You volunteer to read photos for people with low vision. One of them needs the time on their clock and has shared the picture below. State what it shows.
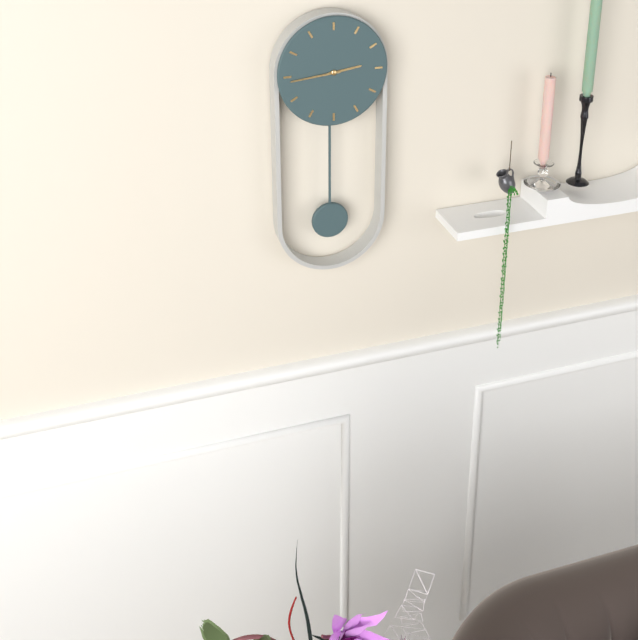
2:44
